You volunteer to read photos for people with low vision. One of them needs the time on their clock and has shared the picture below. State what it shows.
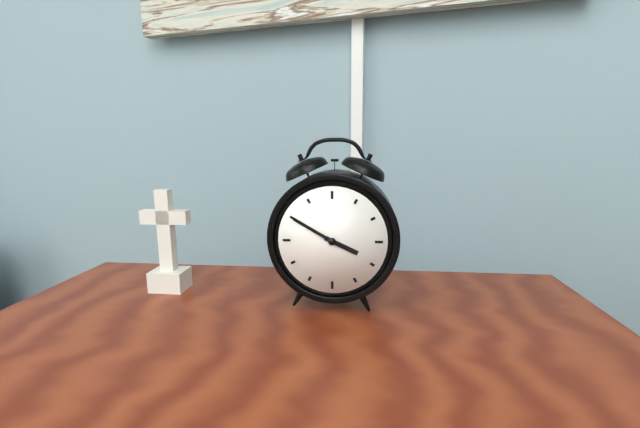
3:50
